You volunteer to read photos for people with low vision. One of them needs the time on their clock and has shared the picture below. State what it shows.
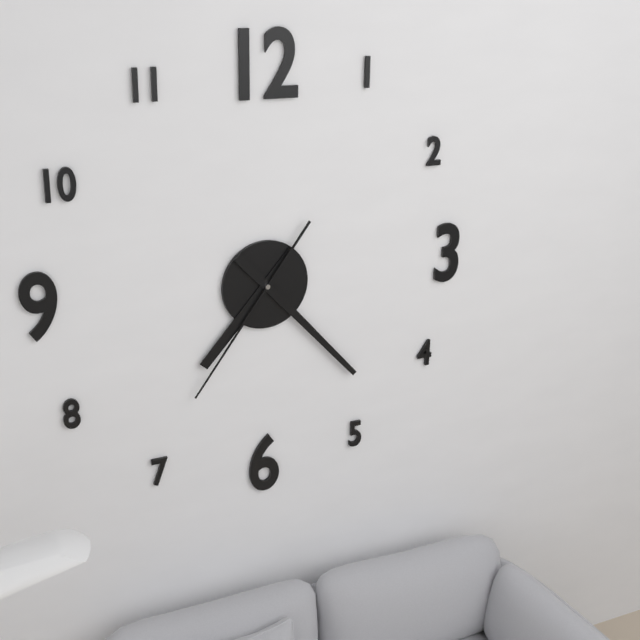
7:23:36
